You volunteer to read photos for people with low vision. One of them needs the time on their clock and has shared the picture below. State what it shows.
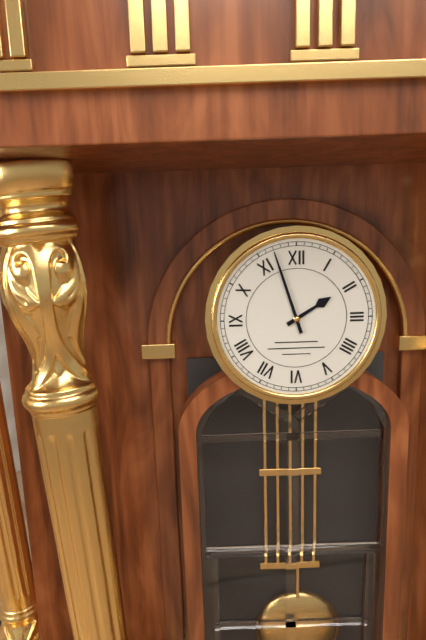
1:57
